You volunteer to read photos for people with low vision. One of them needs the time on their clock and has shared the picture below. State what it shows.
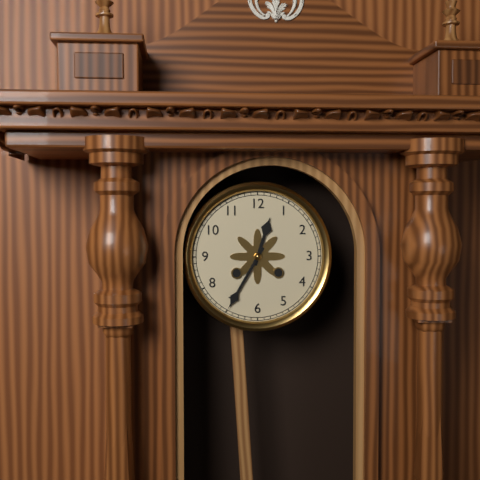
12:35
